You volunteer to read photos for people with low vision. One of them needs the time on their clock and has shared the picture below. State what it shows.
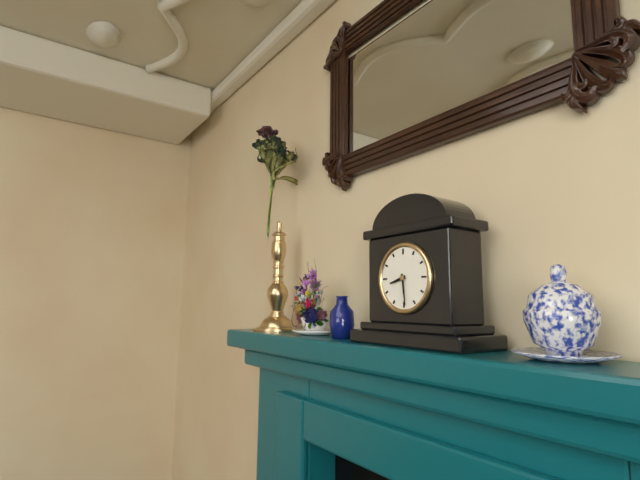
8:29
